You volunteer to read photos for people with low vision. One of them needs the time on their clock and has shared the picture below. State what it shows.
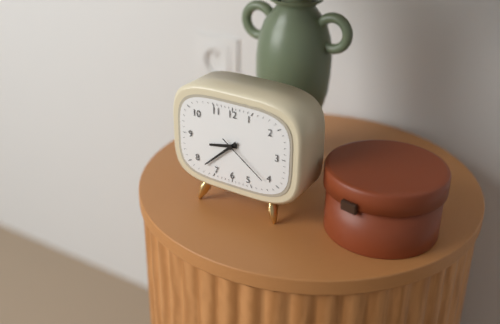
8:38:21
